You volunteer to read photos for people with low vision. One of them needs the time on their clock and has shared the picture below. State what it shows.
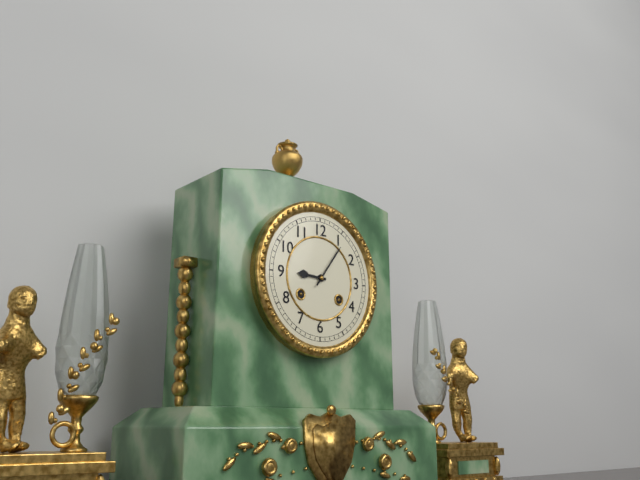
9:06
